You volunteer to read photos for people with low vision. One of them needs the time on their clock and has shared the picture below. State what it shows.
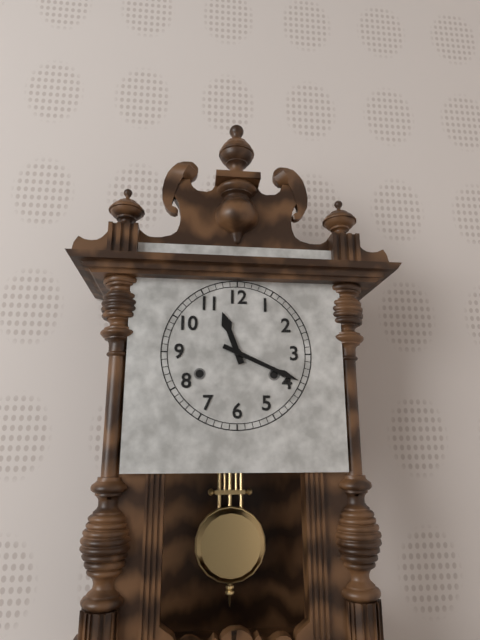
11:19
